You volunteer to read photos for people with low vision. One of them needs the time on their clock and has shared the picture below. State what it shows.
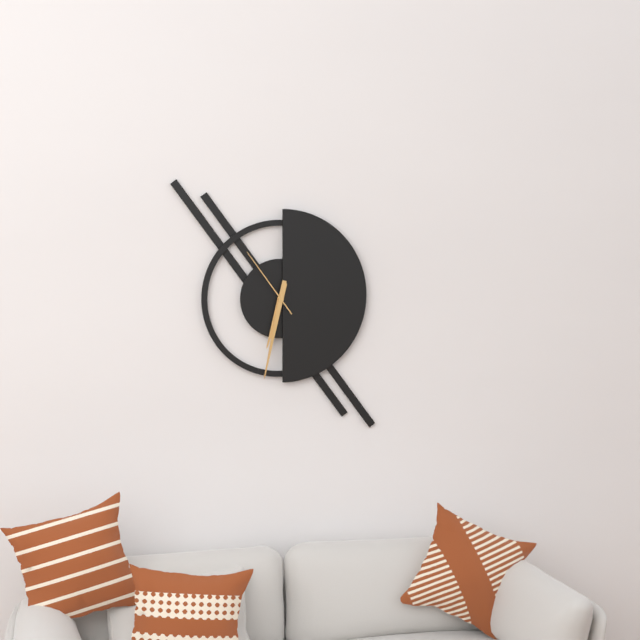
6:32:54
